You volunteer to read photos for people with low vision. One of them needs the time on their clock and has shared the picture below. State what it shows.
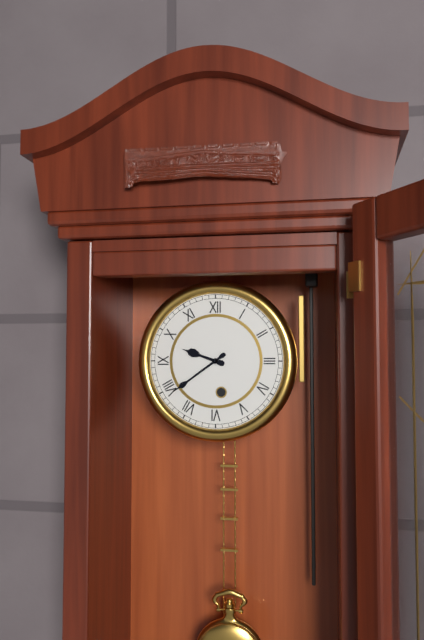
9:39
